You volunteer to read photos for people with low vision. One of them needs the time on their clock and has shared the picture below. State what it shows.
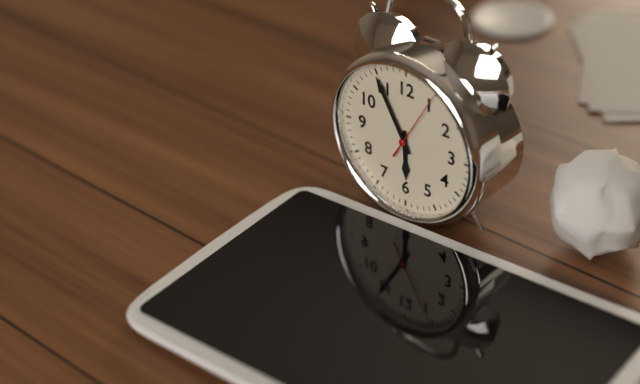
5:55:05
